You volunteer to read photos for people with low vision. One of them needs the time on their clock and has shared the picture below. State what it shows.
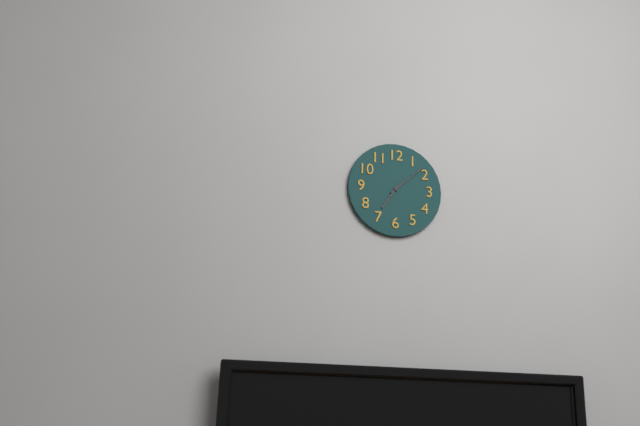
7:08
